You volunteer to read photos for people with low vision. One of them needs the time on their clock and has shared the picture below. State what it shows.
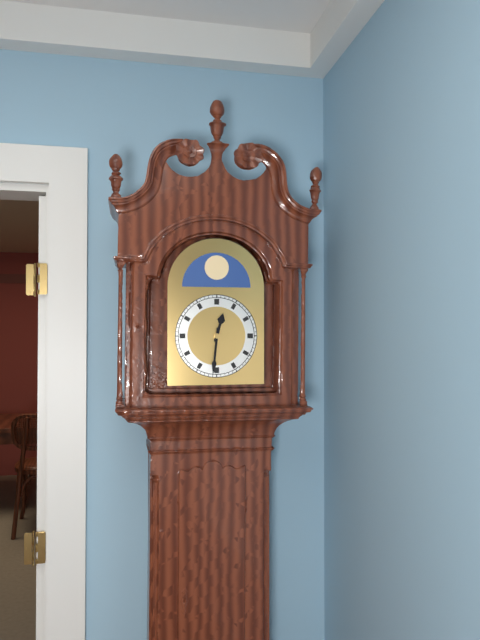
12:31
